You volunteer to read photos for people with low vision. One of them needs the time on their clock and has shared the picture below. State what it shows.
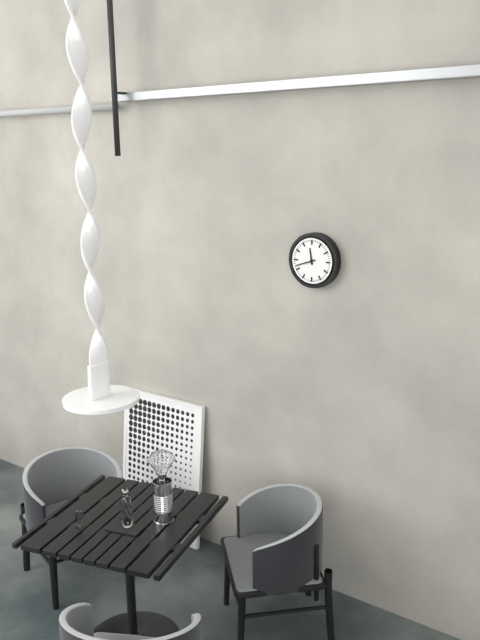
11:42
